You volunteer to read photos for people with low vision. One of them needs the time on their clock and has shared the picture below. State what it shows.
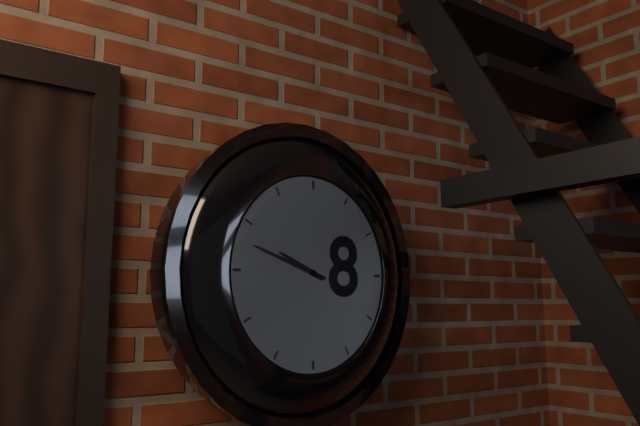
9:48
